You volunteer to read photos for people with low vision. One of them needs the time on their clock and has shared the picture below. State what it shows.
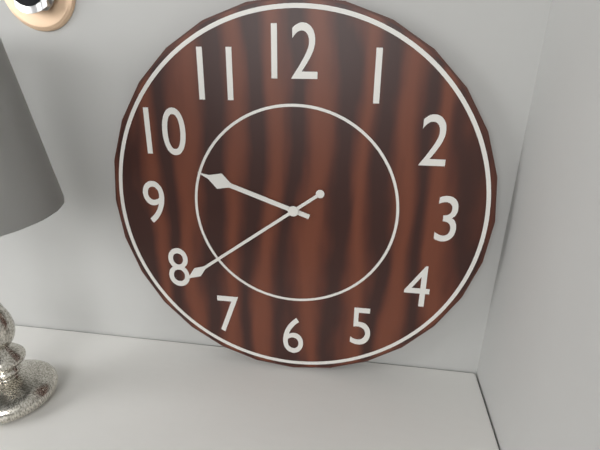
9:39
